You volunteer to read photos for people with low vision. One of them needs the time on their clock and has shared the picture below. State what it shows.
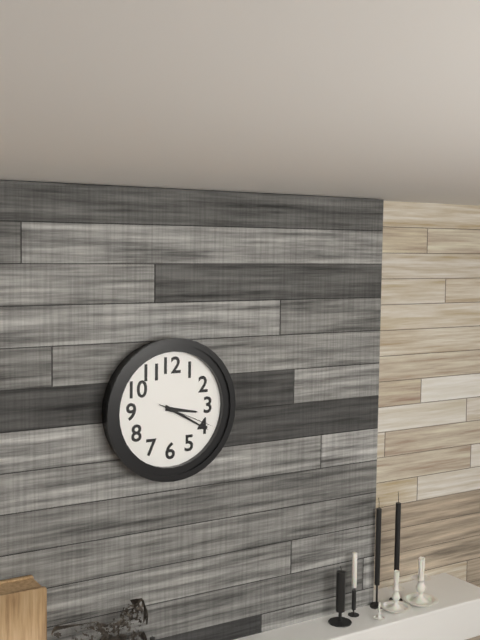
3:20:19
